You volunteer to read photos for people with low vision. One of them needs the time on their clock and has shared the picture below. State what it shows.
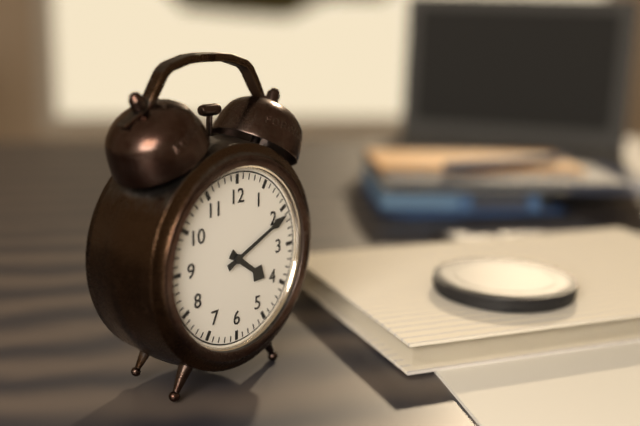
4:11
